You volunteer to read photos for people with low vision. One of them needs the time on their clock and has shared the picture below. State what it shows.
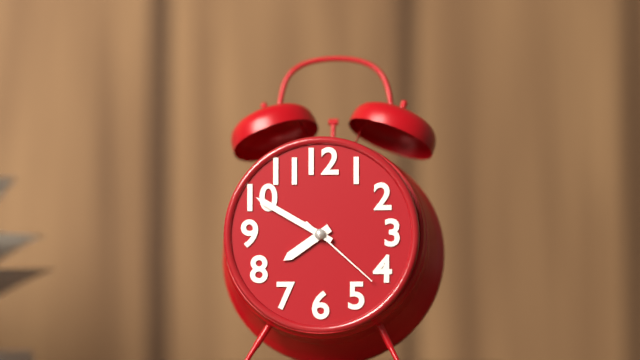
7:50:22
